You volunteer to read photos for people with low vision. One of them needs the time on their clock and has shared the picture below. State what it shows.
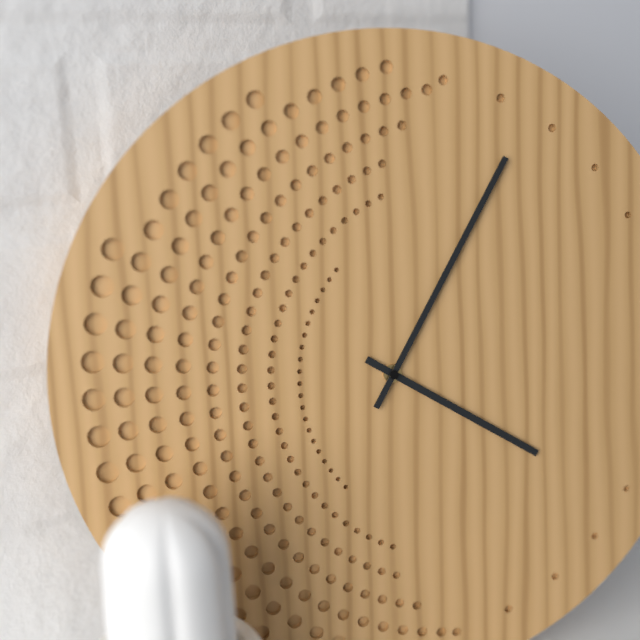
4:05
